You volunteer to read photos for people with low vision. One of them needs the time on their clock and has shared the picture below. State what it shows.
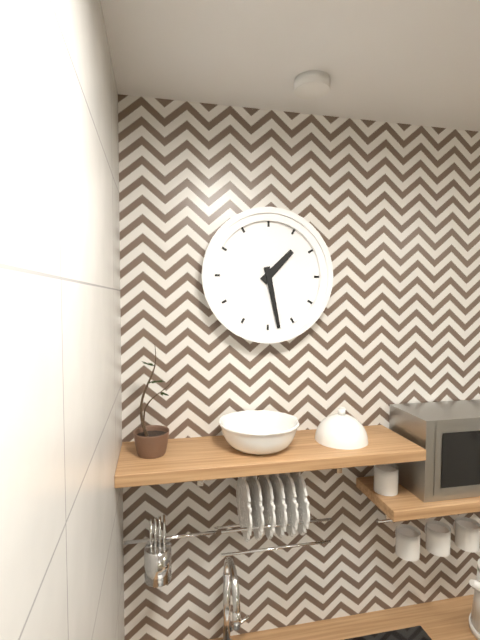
1:28
